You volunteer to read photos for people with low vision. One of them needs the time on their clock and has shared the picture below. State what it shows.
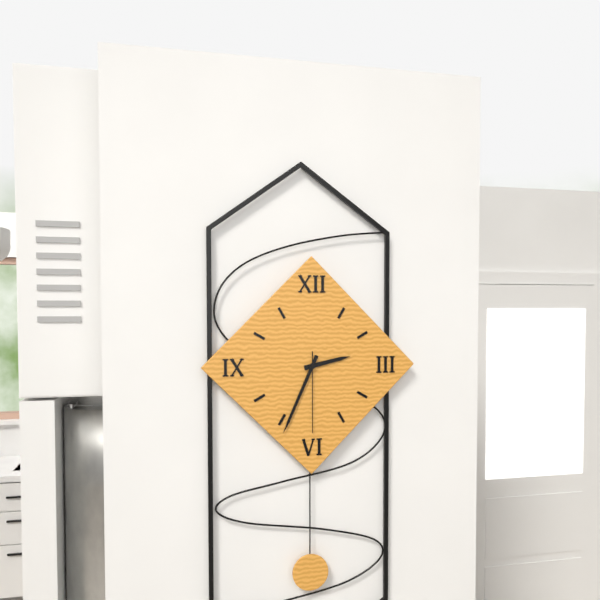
2:34:30
